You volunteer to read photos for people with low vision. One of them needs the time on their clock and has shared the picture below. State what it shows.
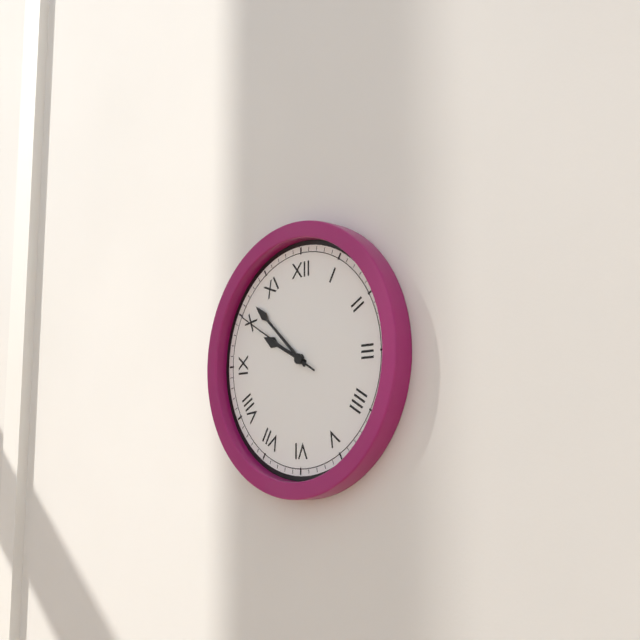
9:52:50
